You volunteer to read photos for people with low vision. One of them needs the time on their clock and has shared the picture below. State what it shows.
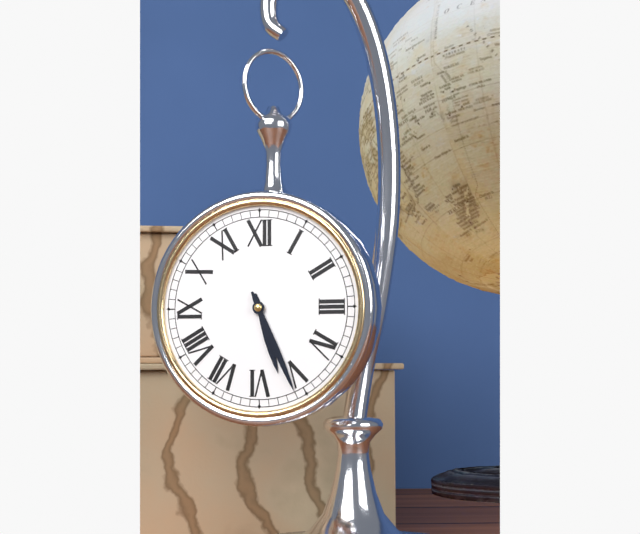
5:26
